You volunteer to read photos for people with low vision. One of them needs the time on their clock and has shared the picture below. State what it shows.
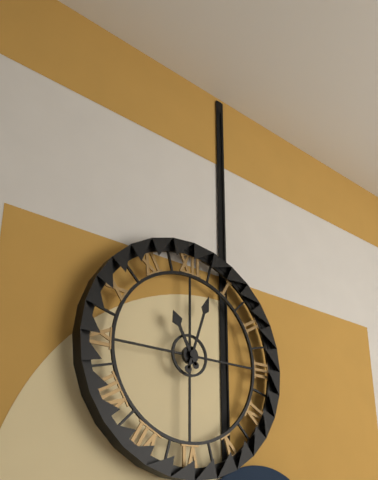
11:03
